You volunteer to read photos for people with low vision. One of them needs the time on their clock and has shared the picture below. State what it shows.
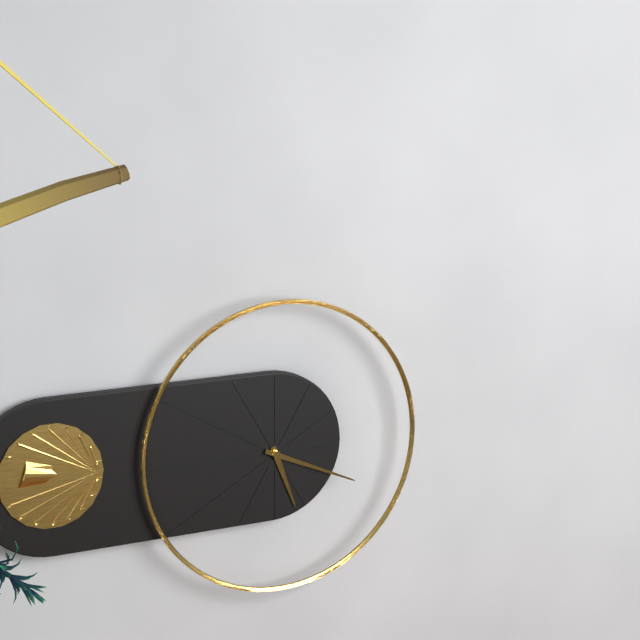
5:19
